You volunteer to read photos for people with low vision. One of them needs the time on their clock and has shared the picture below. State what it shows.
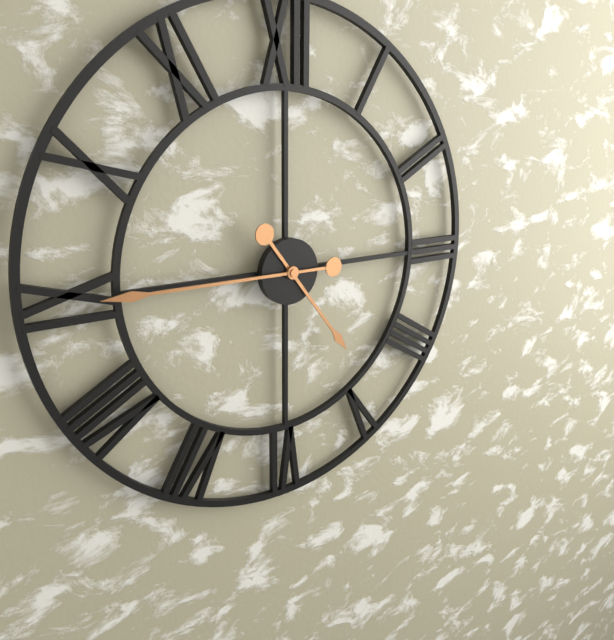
4:45
